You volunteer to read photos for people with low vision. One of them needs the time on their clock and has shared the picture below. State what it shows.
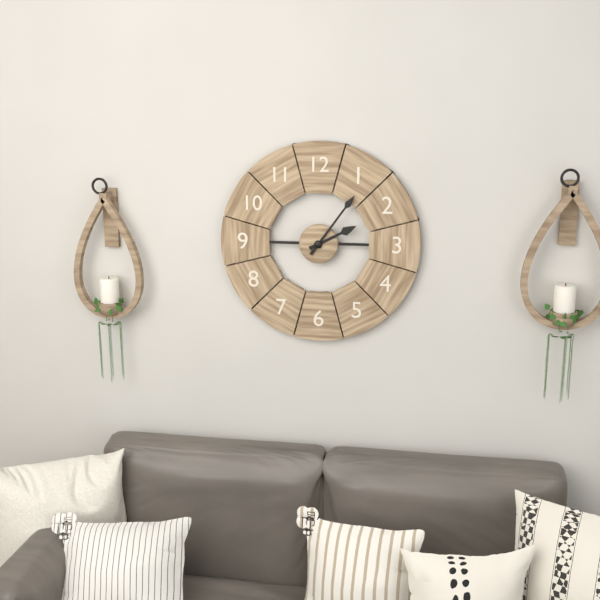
2:06
